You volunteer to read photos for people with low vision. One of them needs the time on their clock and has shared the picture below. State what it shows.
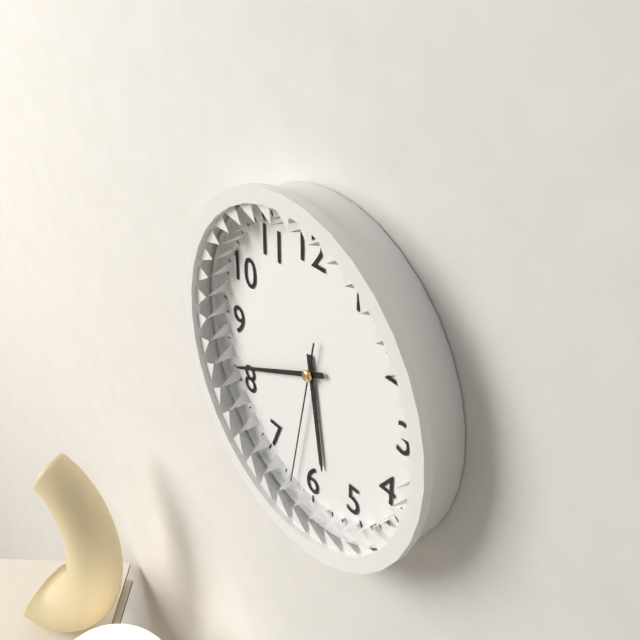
5:41:32
